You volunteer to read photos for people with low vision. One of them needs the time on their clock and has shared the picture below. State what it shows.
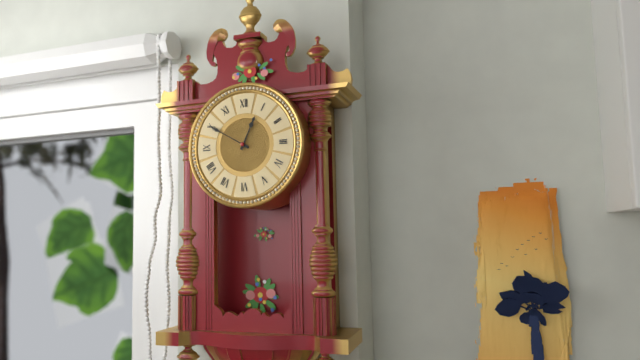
12:50
